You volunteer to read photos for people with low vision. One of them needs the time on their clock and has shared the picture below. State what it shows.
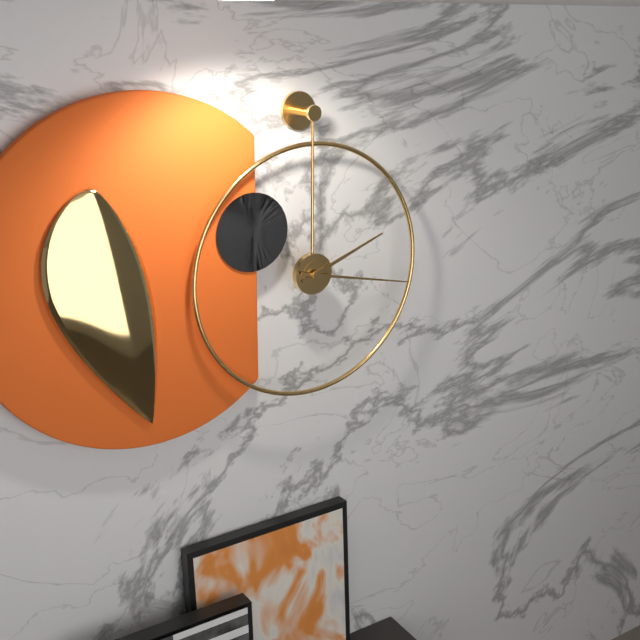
2:17
